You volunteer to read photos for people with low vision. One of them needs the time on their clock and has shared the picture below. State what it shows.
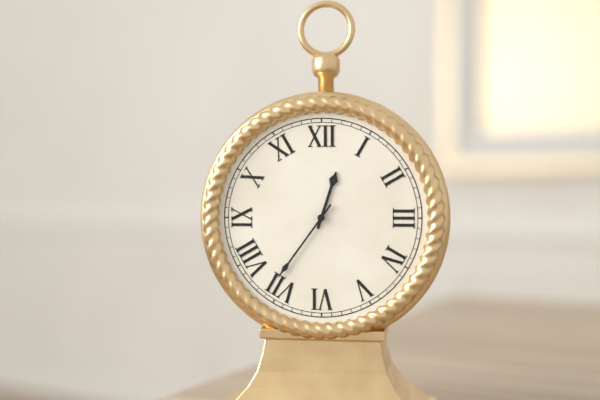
12:36
